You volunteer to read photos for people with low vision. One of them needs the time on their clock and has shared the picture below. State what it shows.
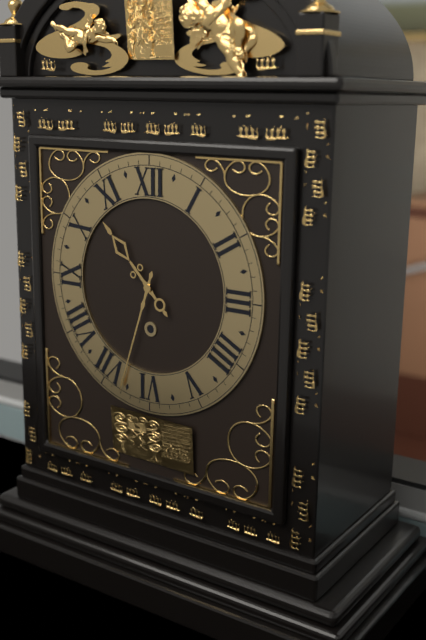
10:33
